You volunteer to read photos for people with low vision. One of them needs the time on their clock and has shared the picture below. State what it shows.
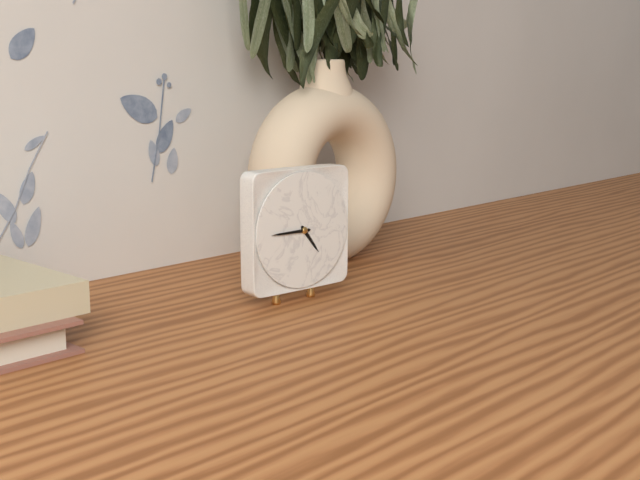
4:45
